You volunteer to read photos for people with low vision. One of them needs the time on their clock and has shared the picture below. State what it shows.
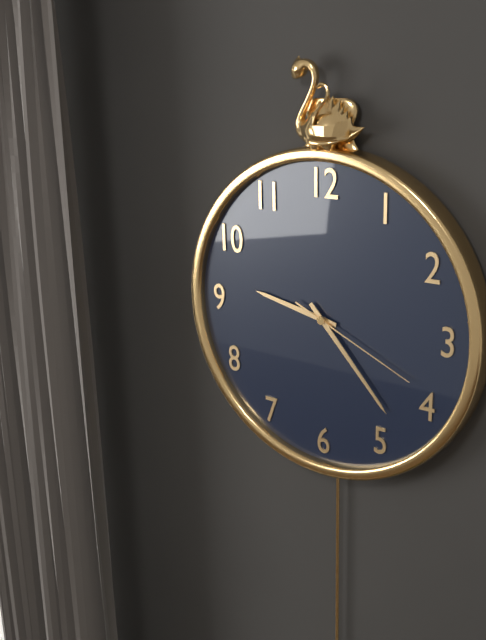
9:23:19
